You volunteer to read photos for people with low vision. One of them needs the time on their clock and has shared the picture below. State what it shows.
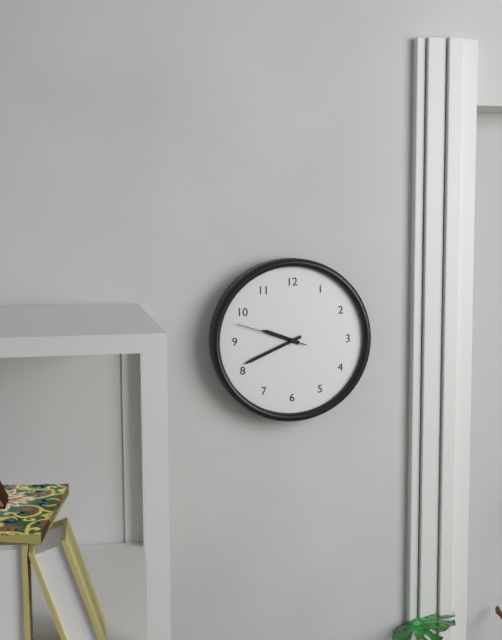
9:41:48
